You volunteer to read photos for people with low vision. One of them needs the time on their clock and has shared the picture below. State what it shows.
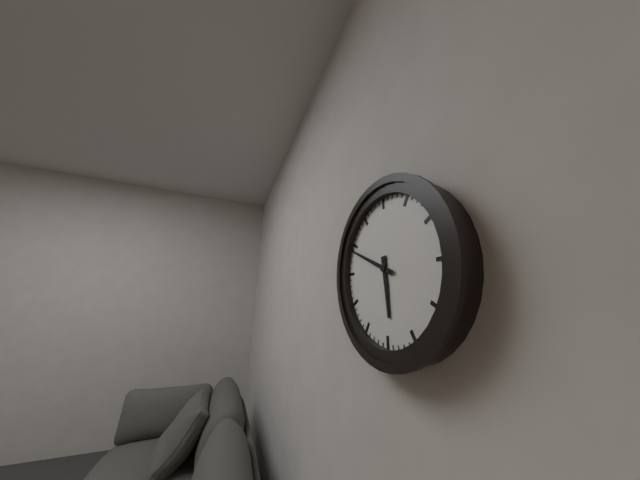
5:49
